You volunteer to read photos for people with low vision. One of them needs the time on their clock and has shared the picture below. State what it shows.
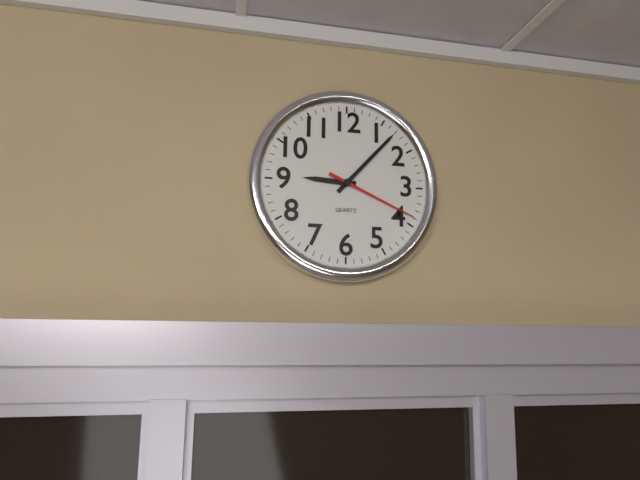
9:07:19
